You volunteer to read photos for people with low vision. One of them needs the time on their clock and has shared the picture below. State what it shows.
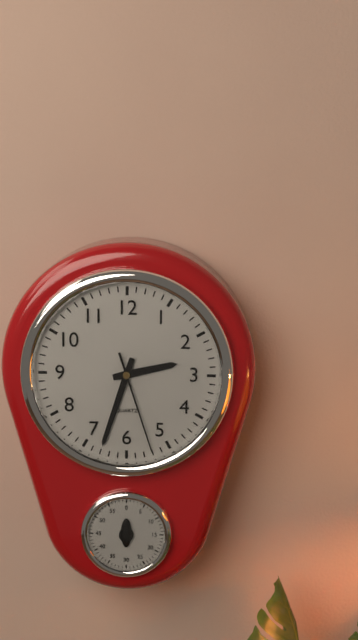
2:33:27
